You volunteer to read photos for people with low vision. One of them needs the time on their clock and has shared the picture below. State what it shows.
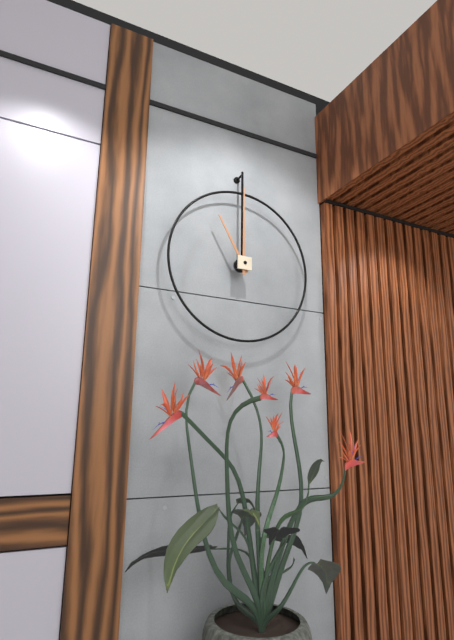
11:00
